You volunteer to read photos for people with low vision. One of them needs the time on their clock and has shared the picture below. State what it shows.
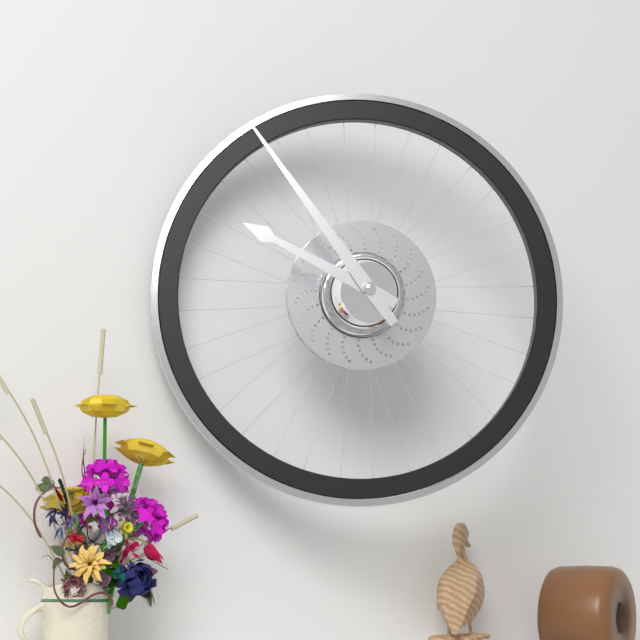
9:54
